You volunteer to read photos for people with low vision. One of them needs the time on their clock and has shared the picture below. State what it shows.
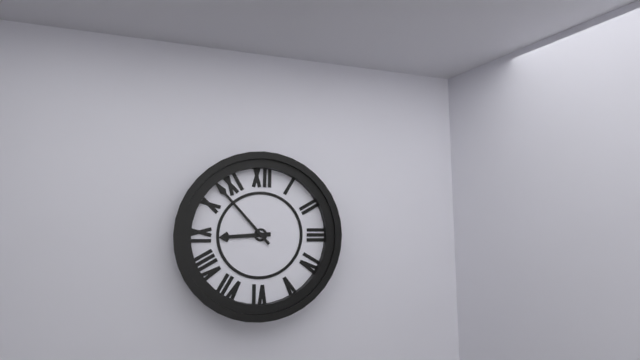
8:53
